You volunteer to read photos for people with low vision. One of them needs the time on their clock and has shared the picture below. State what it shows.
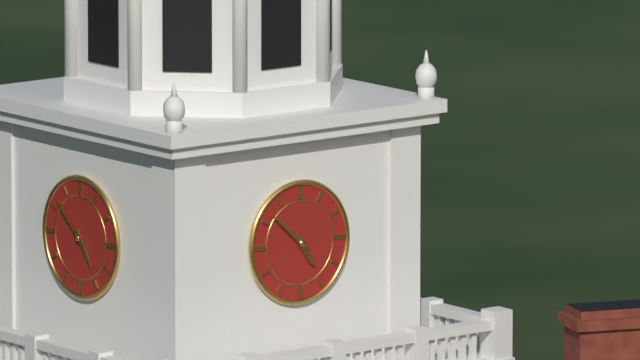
4:52
